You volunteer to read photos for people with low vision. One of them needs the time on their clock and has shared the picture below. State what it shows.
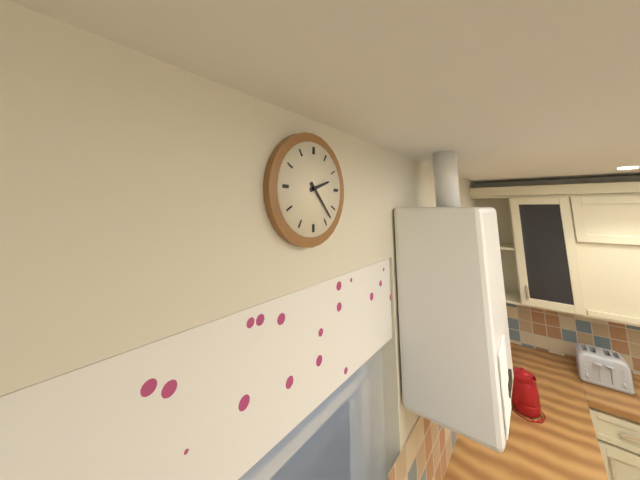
2:23
